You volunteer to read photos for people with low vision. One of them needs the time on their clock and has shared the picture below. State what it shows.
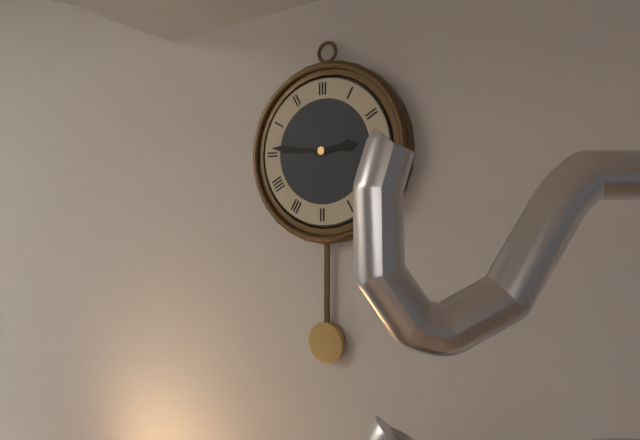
2:46
